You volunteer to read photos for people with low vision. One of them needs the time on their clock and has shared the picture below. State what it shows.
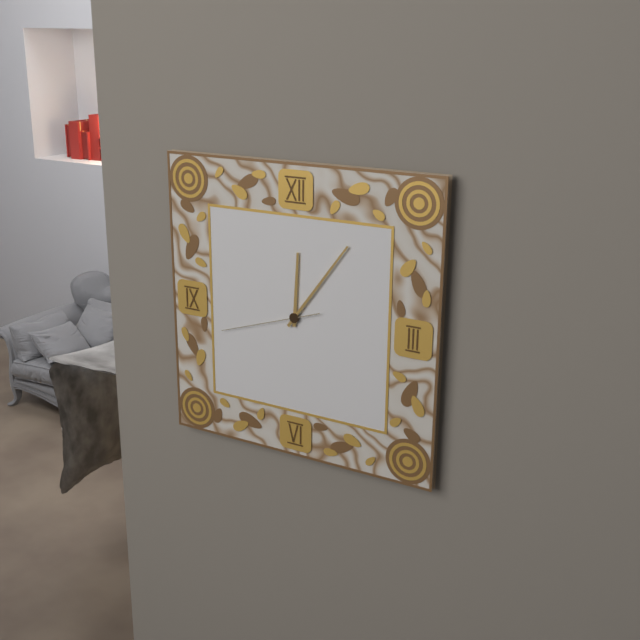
12:06:42
